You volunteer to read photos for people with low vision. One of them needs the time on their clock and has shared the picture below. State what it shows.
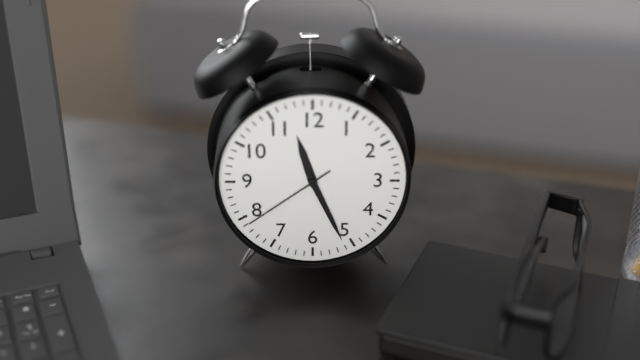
11:26:39
